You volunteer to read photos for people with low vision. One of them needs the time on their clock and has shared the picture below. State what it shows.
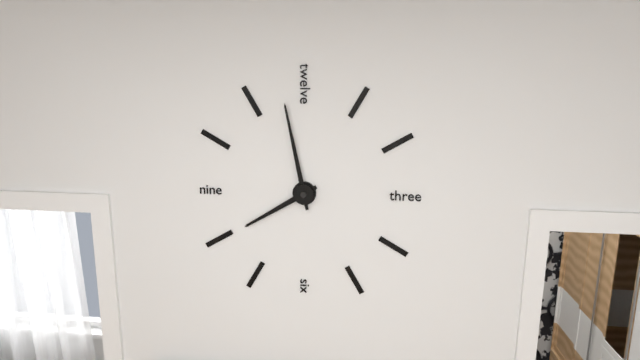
7:58
